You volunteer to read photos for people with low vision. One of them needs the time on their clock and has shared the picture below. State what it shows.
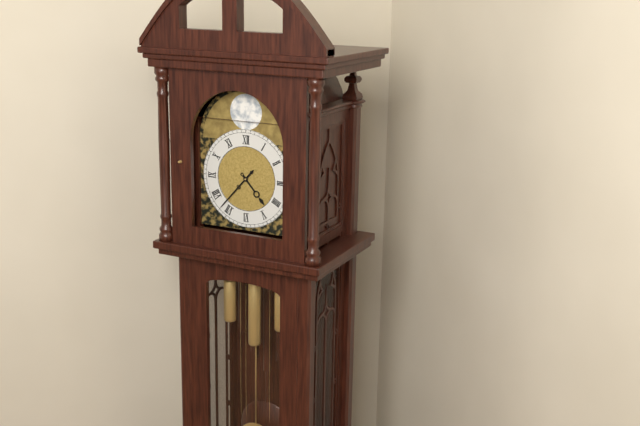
4:37
